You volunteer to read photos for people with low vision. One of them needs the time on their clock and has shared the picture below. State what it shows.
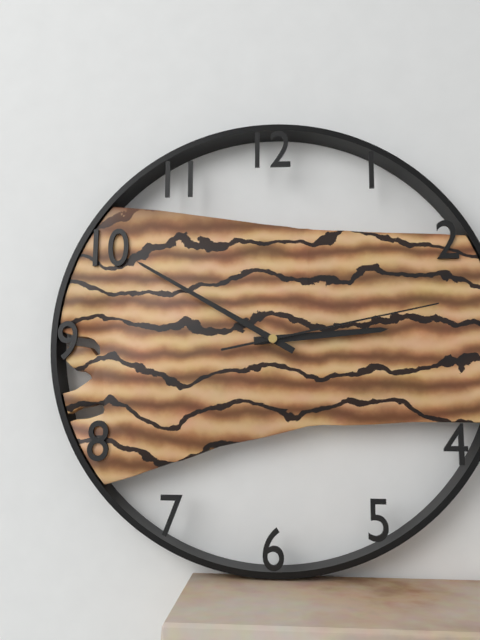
2:50:13
